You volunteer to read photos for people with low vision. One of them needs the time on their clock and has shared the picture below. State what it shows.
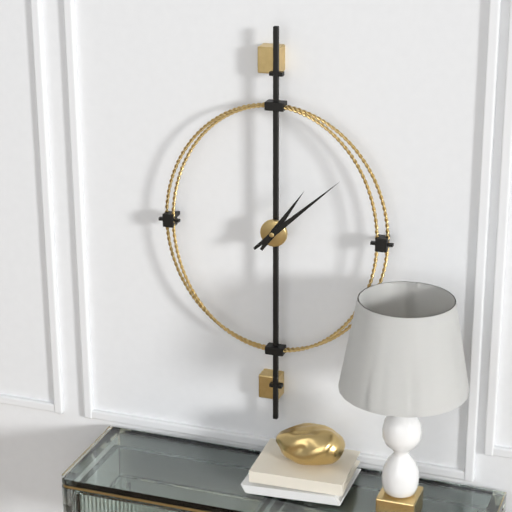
1:08
